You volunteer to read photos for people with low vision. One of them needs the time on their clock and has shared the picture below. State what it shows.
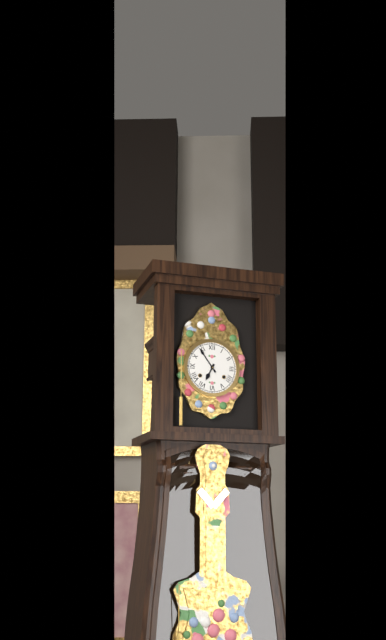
6:54
